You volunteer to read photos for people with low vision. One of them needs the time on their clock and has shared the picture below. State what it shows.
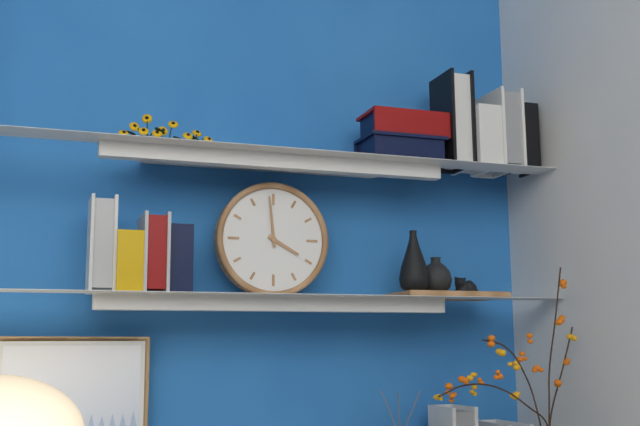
3:59
